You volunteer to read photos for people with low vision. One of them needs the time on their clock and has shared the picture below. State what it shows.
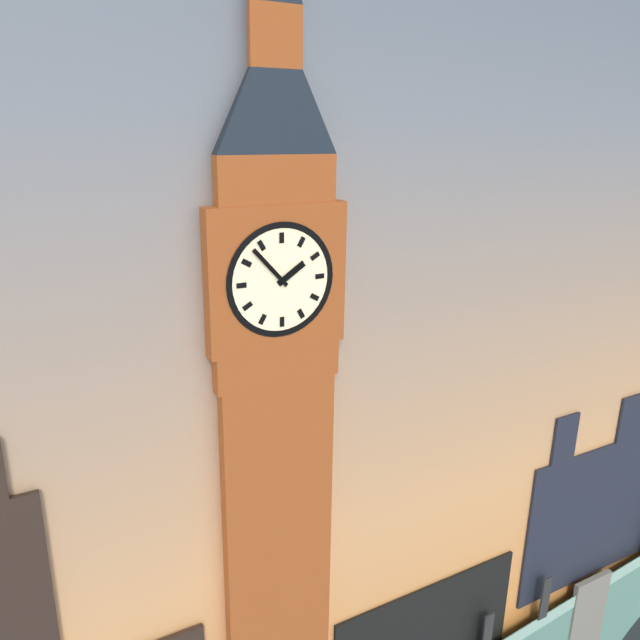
1:53
